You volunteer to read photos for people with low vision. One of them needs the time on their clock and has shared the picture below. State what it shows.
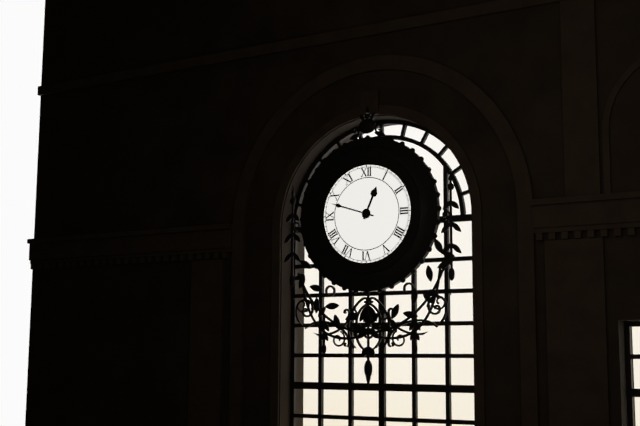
12:48
